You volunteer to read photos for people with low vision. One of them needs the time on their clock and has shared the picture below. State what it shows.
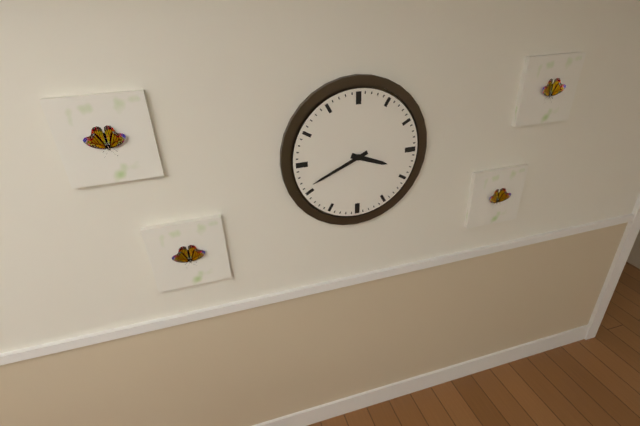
3:41
